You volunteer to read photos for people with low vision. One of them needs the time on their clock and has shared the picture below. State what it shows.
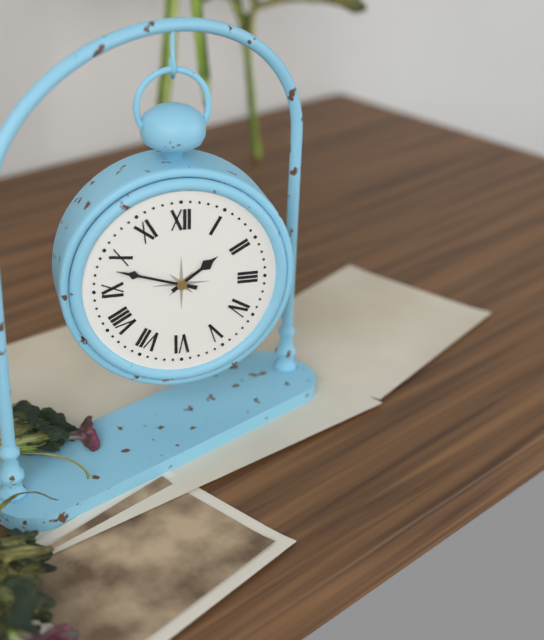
1:48
